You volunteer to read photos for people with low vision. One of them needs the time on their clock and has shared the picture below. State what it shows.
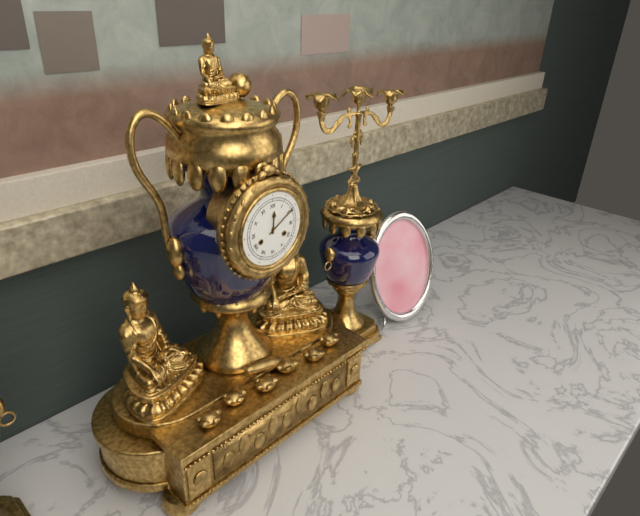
12:10
